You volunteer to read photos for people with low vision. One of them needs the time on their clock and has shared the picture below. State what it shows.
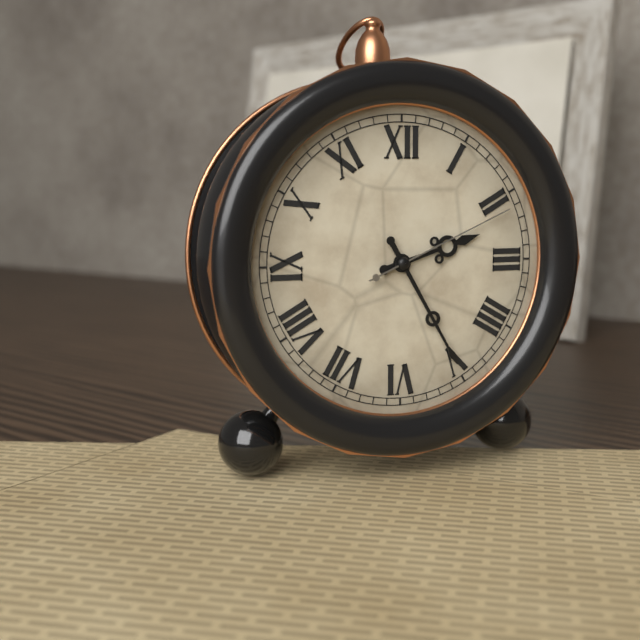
2:25:11
